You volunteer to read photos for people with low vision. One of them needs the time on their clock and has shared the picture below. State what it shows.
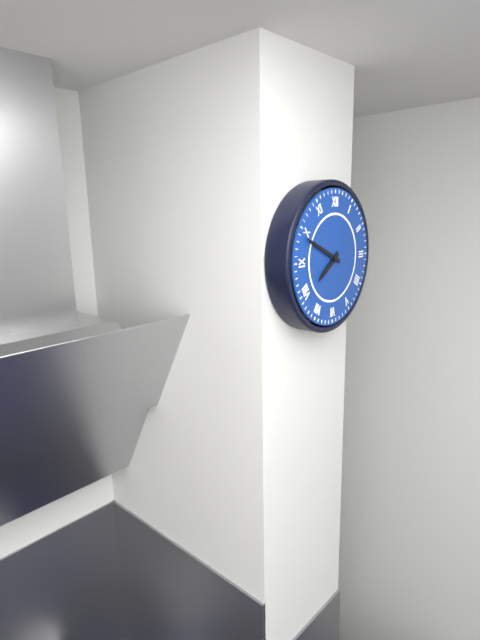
7:49
